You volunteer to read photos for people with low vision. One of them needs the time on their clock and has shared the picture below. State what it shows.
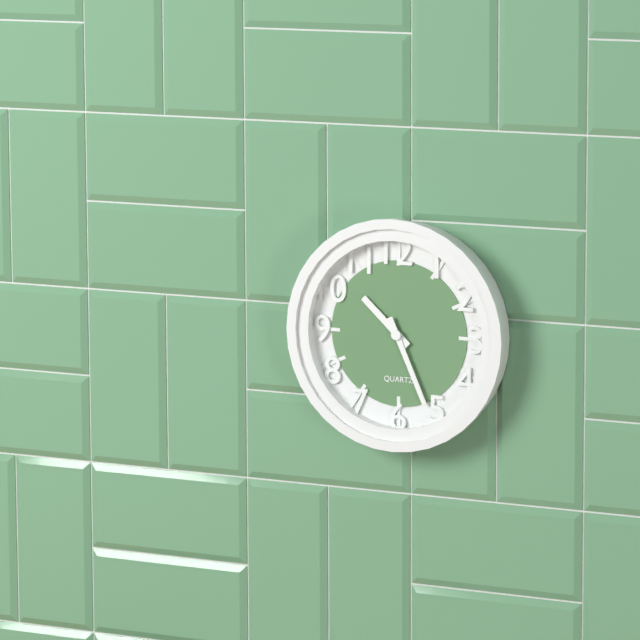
10:26
